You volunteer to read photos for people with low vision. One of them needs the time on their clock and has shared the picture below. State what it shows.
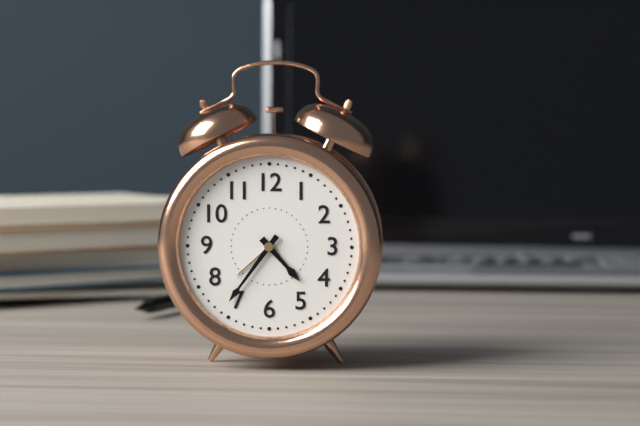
4:36
